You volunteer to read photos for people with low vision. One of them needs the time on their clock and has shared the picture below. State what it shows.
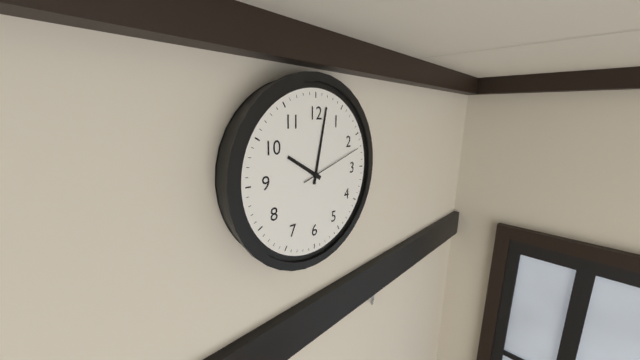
10:02:12
